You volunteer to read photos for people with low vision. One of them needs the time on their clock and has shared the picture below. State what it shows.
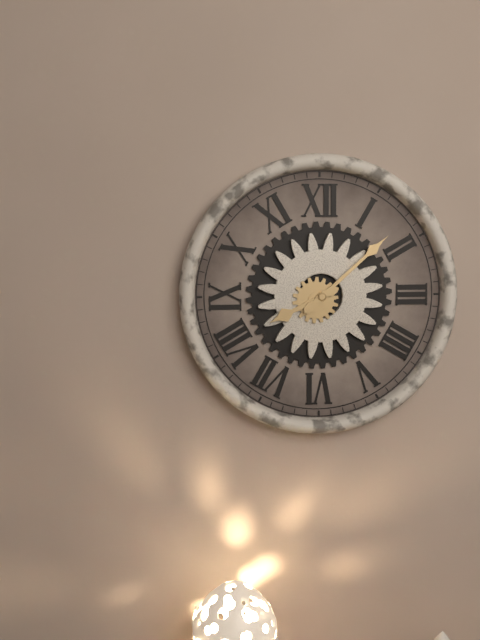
8:08
